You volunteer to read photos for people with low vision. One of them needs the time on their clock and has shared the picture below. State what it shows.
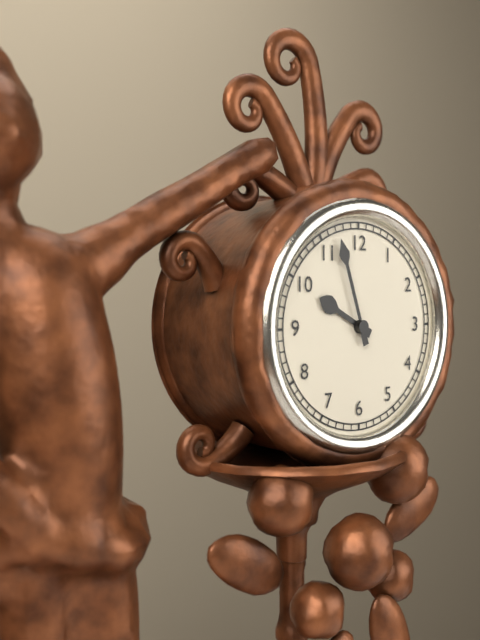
9:57
